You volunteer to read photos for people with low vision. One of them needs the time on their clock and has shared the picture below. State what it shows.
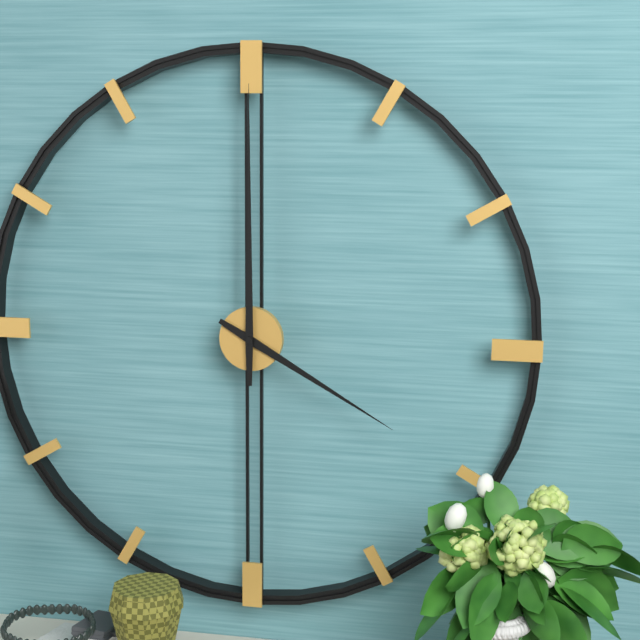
4:00
